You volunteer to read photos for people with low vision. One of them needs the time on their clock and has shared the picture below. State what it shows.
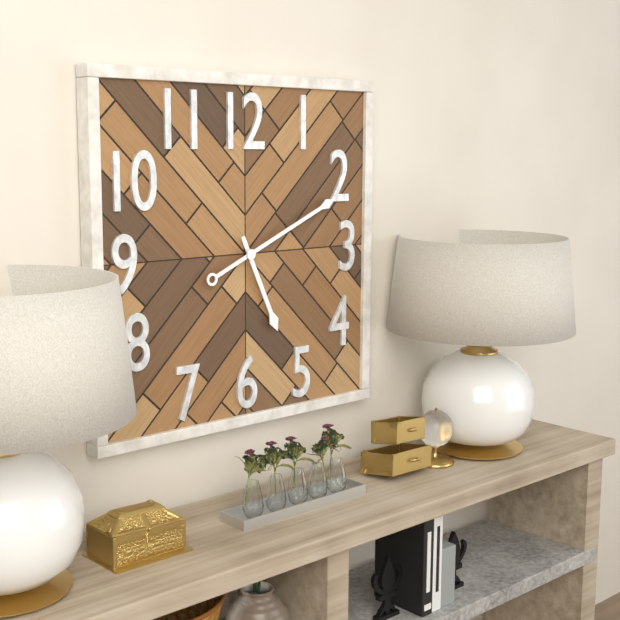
5:11
